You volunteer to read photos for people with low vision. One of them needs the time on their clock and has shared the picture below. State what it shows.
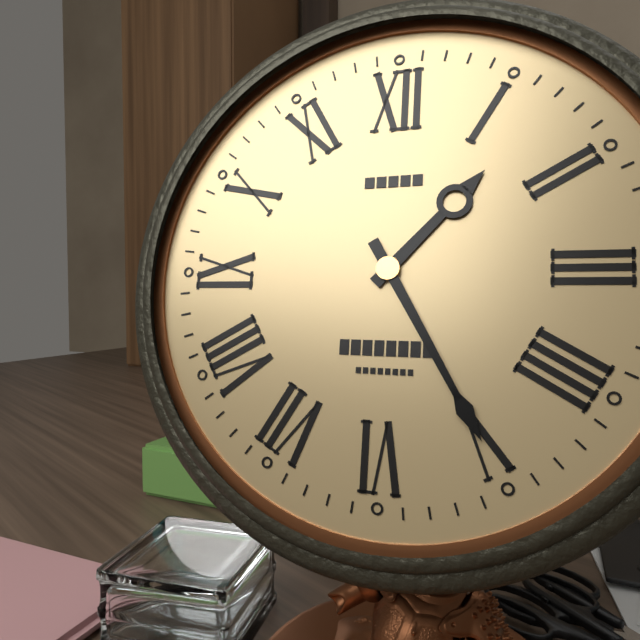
1:25
